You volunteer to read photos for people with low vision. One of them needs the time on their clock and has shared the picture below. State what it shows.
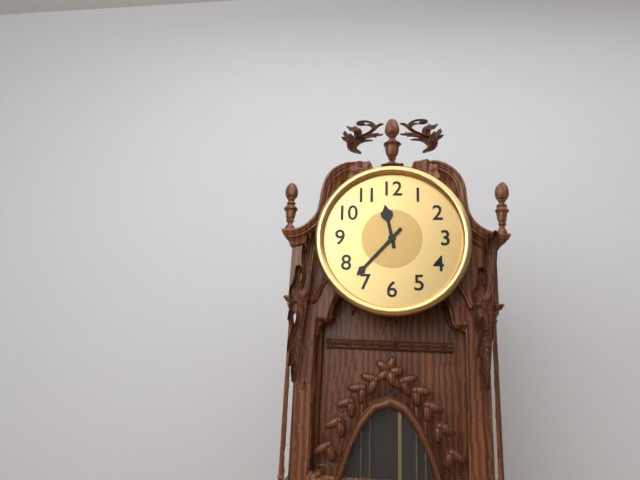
11:37
